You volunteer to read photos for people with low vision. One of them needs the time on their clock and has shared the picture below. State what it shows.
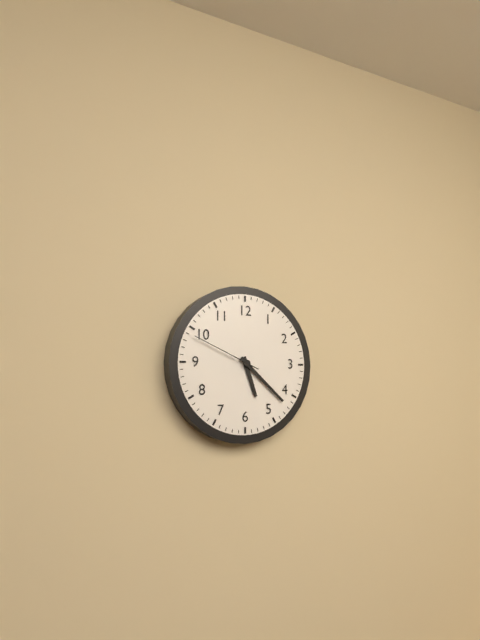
5:22:49
